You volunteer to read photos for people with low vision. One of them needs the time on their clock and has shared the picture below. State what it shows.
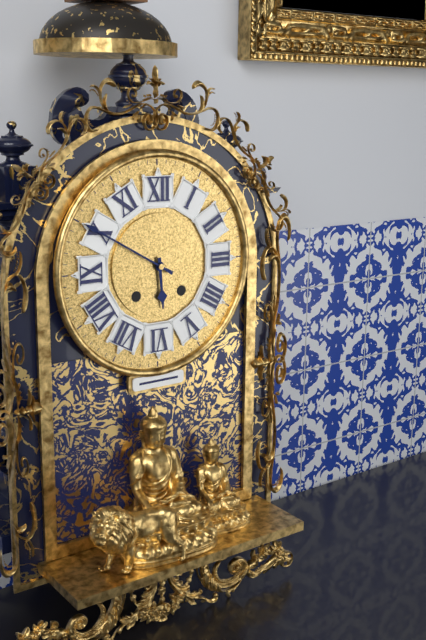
5:50
